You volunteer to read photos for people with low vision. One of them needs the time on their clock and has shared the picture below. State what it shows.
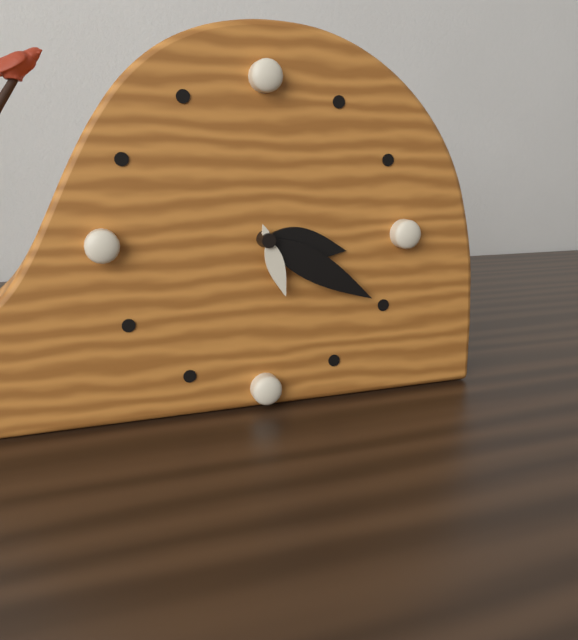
3:20:27
